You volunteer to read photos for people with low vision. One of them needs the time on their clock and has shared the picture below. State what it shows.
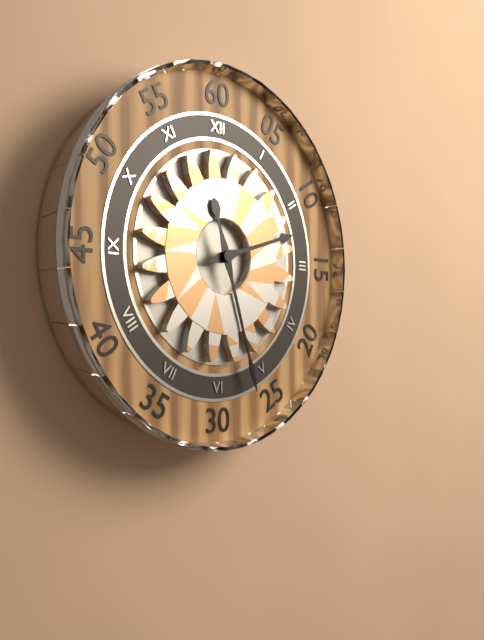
2:27
